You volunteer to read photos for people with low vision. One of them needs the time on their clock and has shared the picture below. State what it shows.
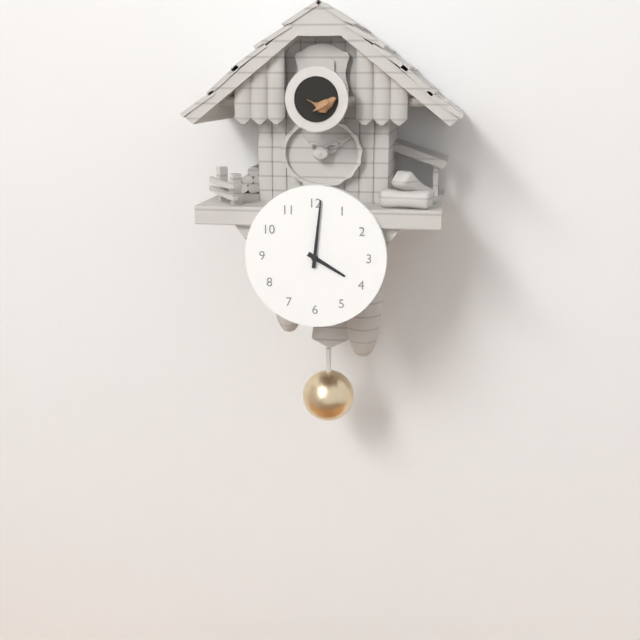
4:01
